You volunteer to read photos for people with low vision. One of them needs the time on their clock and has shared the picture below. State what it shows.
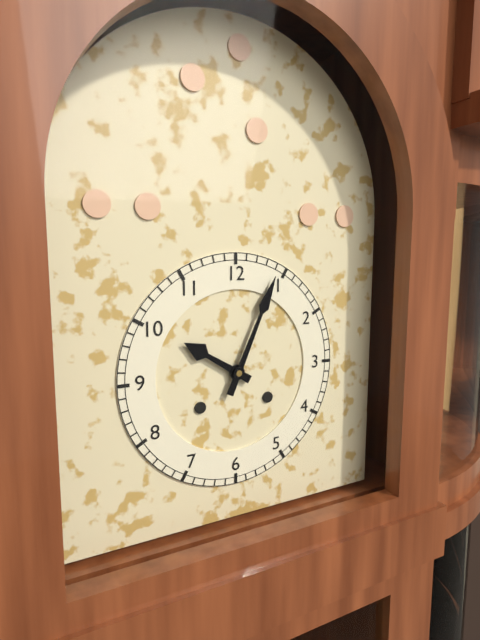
10:04
